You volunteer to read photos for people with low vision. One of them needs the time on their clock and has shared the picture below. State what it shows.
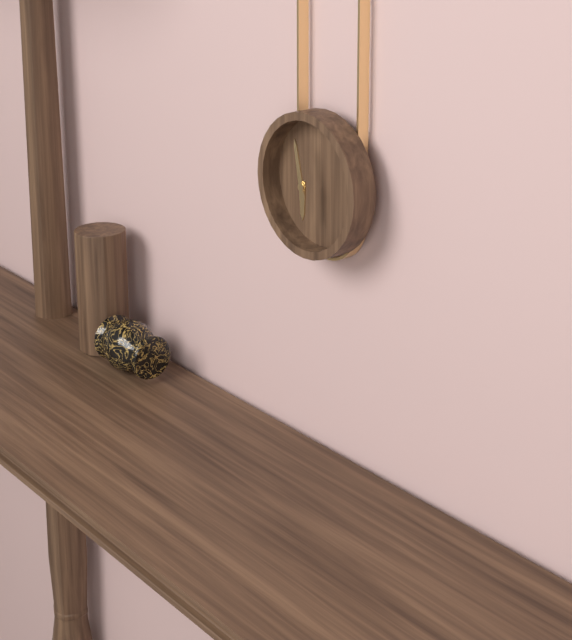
5:58
